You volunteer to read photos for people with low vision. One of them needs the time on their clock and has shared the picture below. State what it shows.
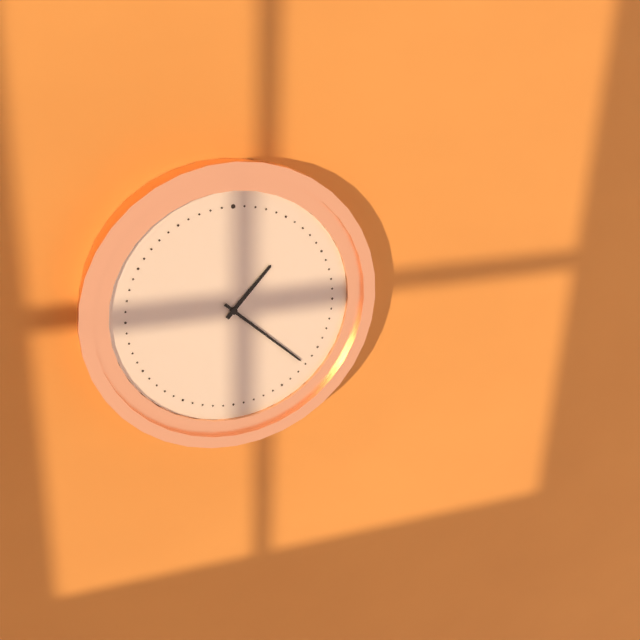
1:22
